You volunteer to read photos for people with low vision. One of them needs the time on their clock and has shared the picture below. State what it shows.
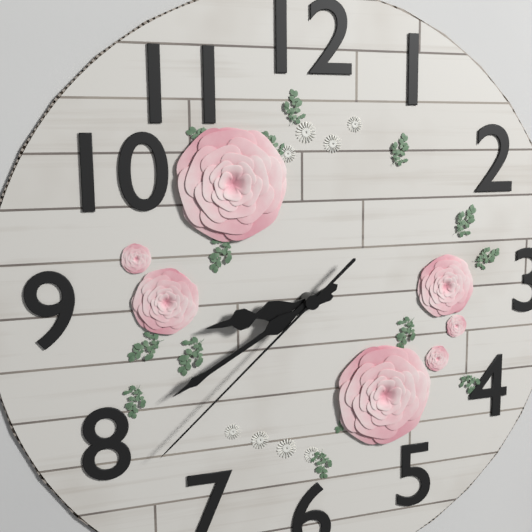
8:40:38
